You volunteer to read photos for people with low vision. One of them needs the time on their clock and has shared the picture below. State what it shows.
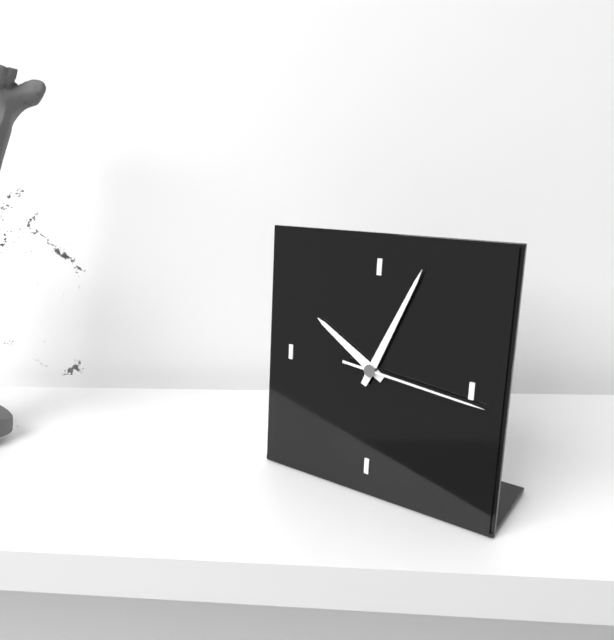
10:04:16
